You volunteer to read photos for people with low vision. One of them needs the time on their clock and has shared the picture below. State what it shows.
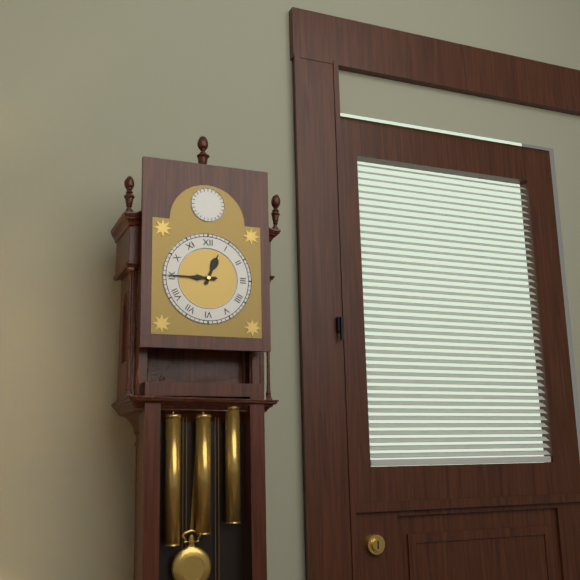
12:45
